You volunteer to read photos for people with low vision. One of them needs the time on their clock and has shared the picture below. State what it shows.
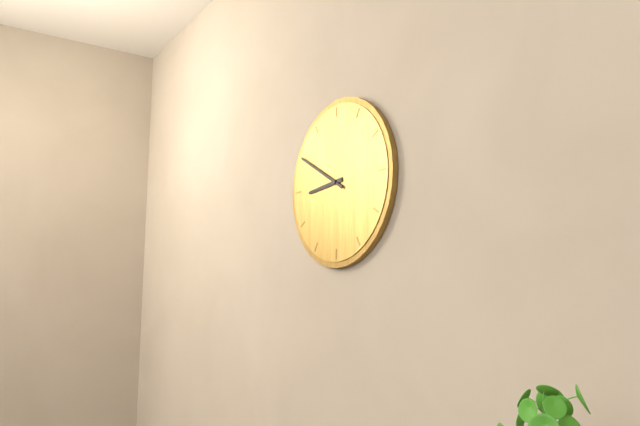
8:50
